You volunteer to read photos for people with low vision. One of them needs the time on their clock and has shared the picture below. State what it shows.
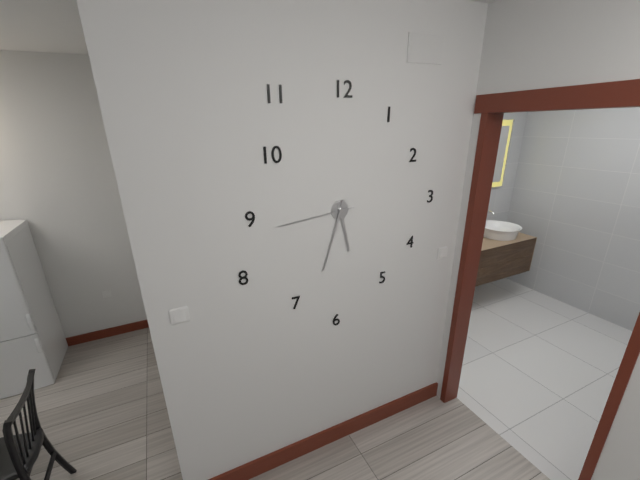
5:33:44
